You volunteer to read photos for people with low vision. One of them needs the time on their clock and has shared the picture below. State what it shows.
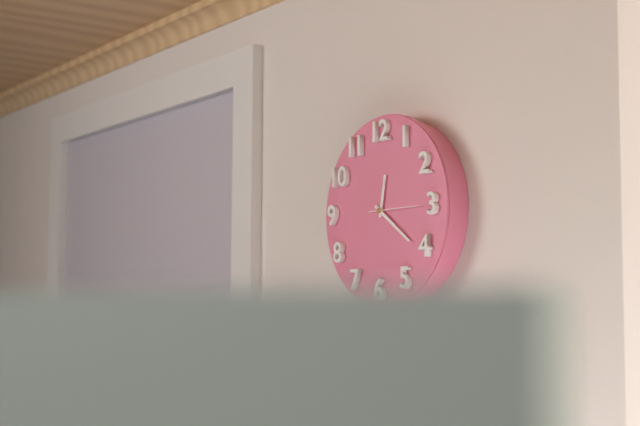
12:21
